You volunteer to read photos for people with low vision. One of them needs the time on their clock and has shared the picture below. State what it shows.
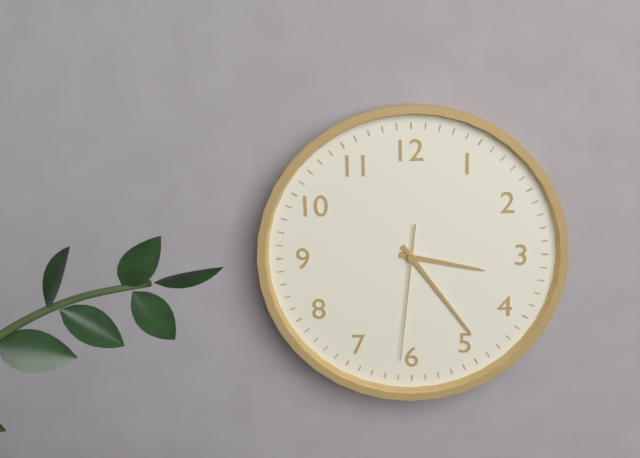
3:24:31
